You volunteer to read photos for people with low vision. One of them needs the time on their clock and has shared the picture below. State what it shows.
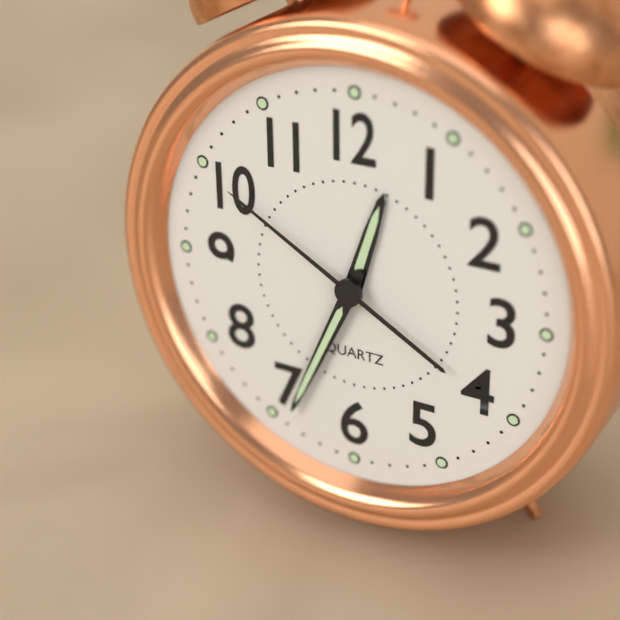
12:34:50
